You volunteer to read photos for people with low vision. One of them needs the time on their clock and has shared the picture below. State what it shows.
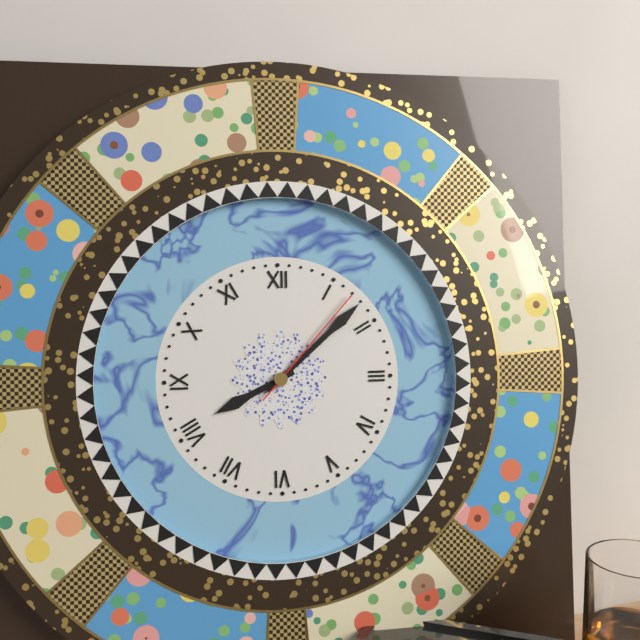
8:08:07
